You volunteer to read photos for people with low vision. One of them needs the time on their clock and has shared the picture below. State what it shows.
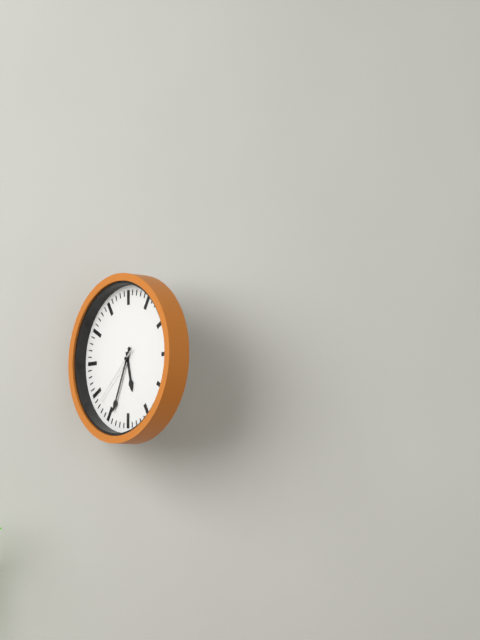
5:34:38
